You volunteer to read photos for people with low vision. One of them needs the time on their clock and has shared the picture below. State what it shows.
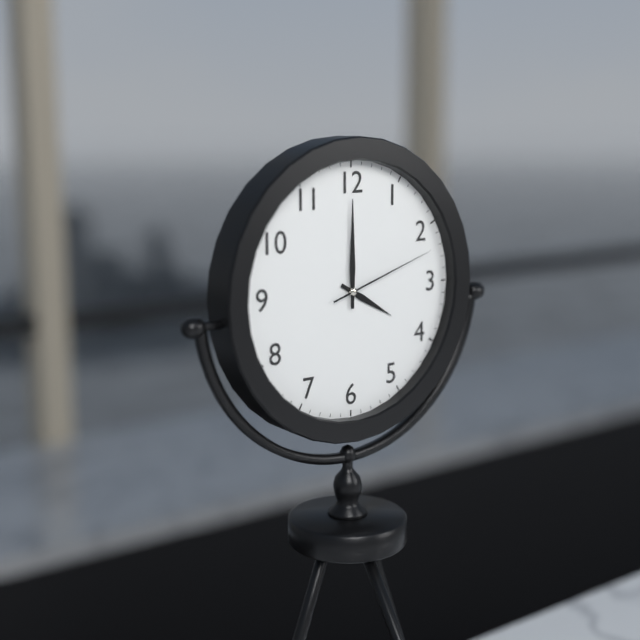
4:00:12
